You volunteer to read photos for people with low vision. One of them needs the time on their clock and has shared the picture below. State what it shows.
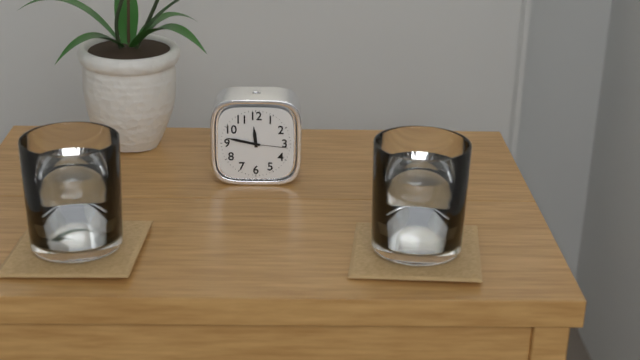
11:47
